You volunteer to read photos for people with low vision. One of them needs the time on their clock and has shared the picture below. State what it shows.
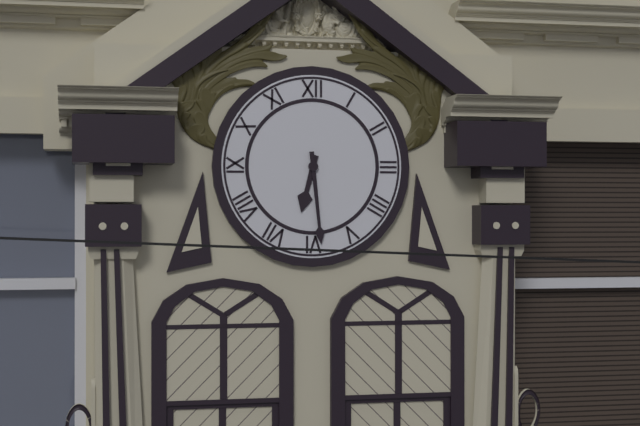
6:29
